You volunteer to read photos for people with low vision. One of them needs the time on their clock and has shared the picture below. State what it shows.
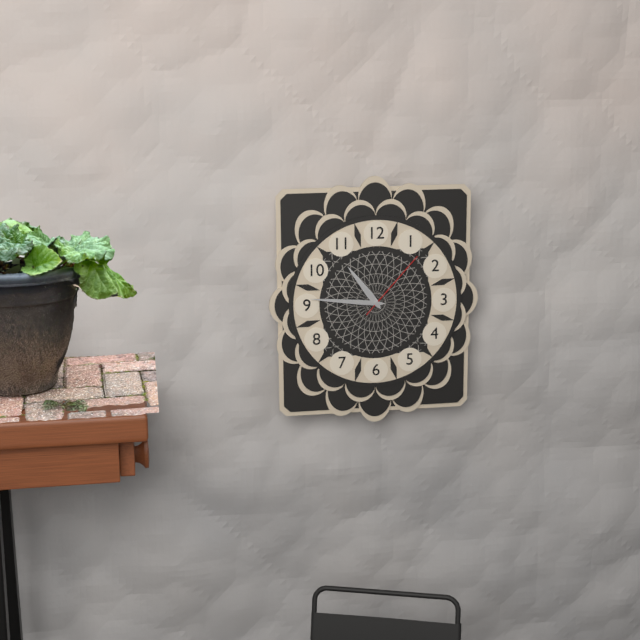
10:46:07
